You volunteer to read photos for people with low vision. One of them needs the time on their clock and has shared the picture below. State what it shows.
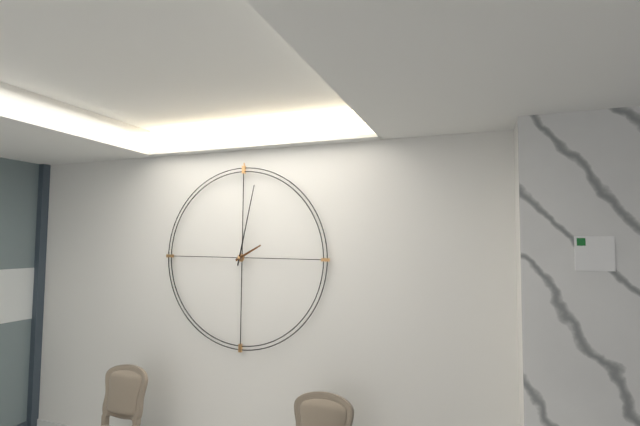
2:02
